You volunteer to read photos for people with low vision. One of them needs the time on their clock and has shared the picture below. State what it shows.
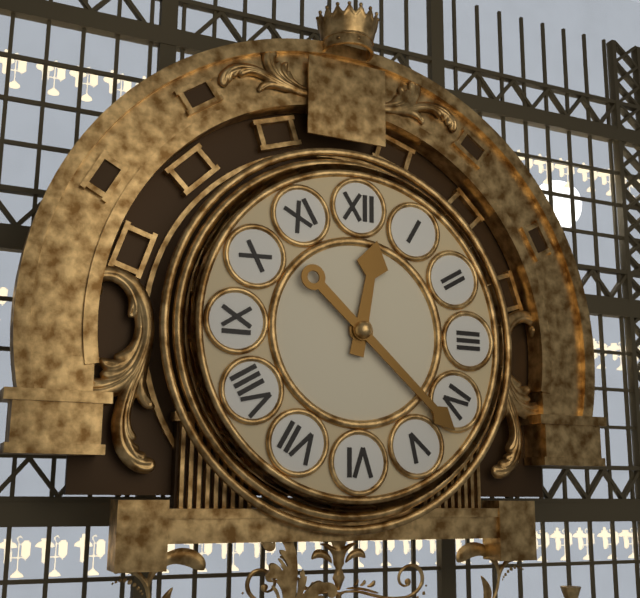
12:22
